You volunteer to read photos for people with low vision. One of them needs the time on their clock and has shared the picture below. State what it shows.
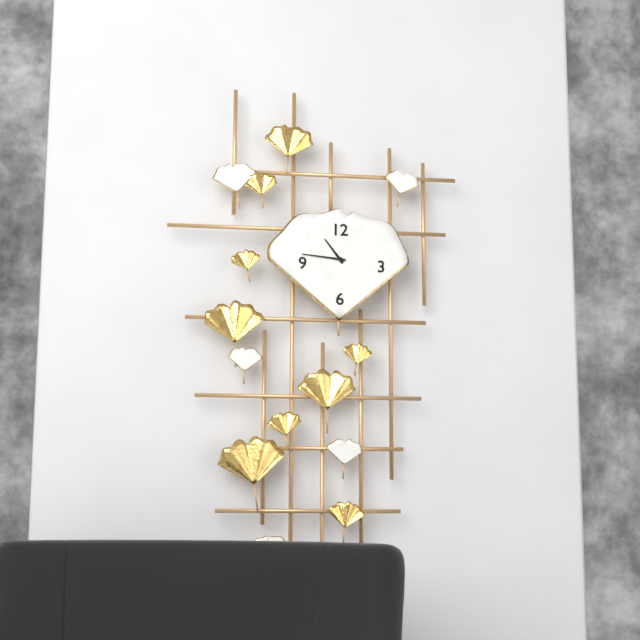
10:46
